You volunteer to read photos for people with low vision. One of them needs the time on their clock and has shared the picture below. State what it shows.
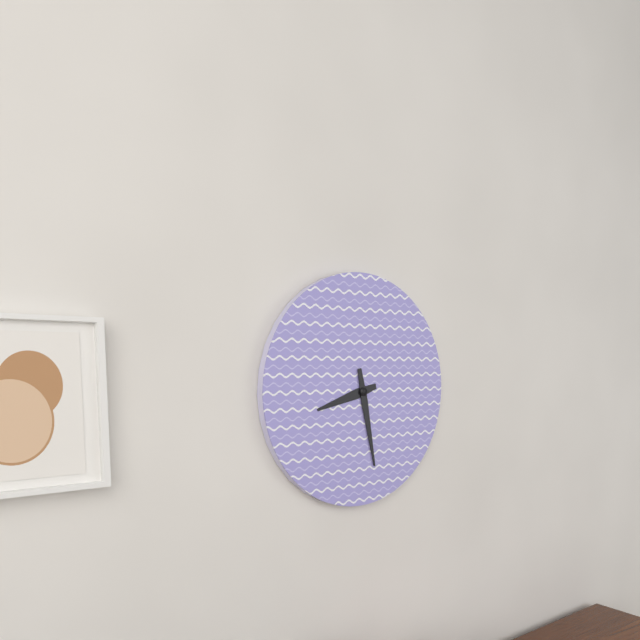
8:28
